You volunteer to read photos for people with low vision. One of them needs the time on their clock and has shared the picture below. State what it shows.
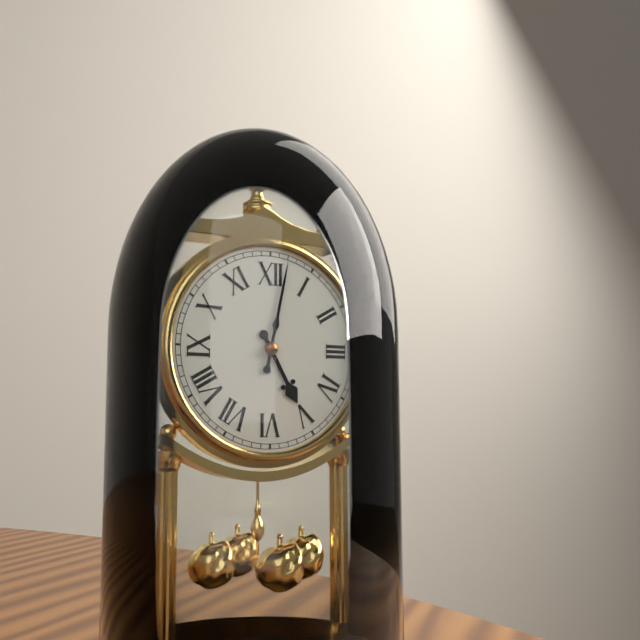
5:02
